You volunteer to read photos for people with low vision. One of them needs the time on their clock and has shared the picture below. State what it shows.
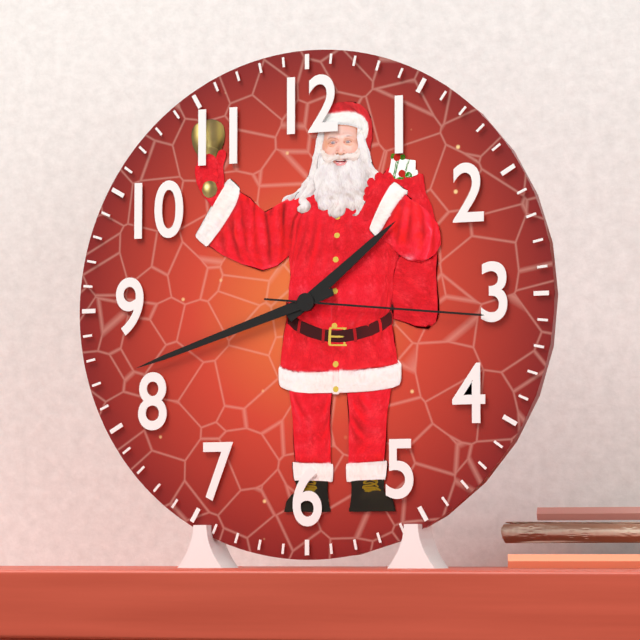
1:42:16
